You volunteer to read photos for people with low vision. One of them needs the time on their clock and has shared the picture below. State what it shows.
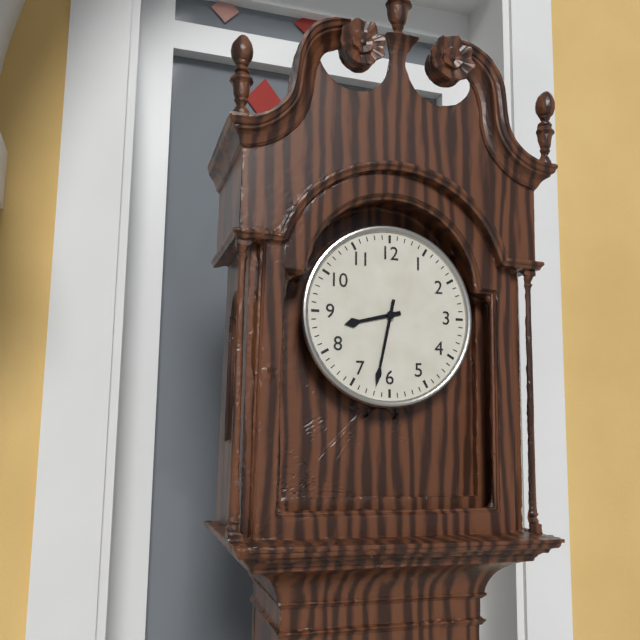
8:32
